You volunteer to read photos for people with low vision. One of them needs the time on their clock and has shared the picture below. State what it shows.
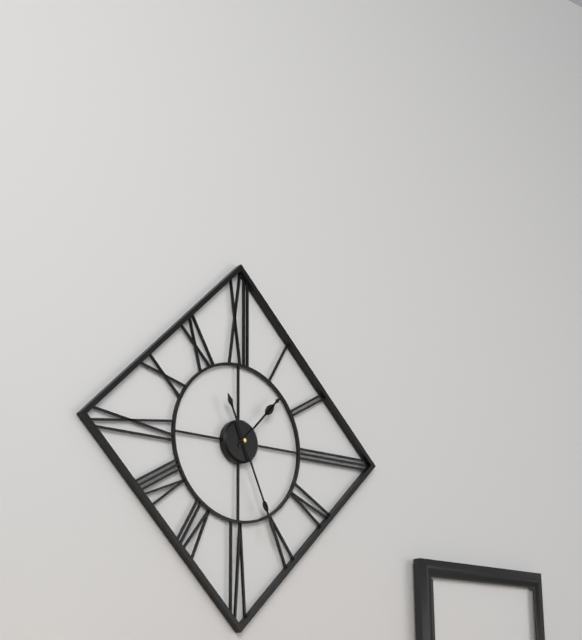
1:26
